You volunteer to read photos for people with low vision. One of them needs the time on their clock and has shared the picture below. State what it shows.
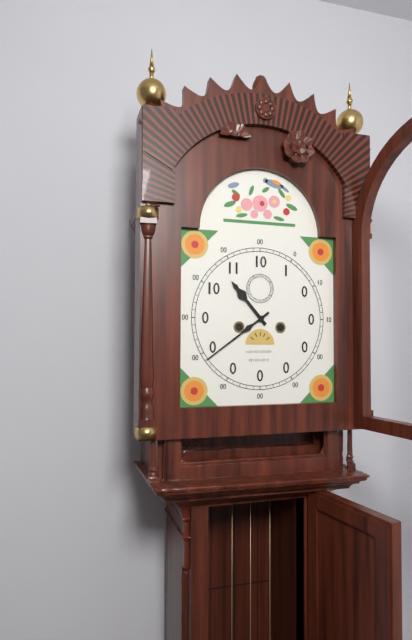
10:39
